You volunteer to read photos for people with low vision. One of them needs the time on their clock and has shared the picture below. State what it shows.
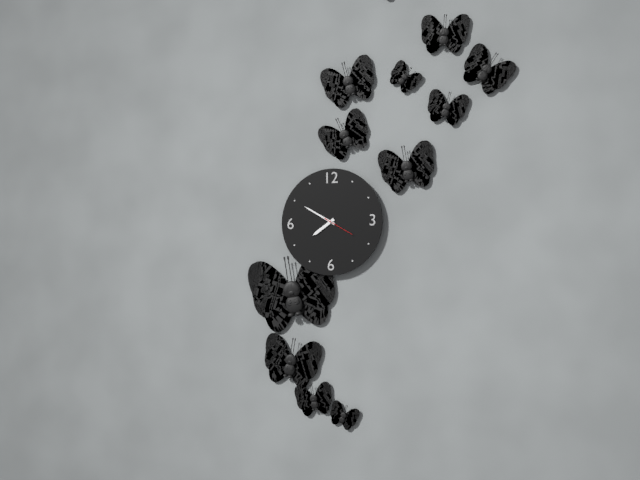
7:50
